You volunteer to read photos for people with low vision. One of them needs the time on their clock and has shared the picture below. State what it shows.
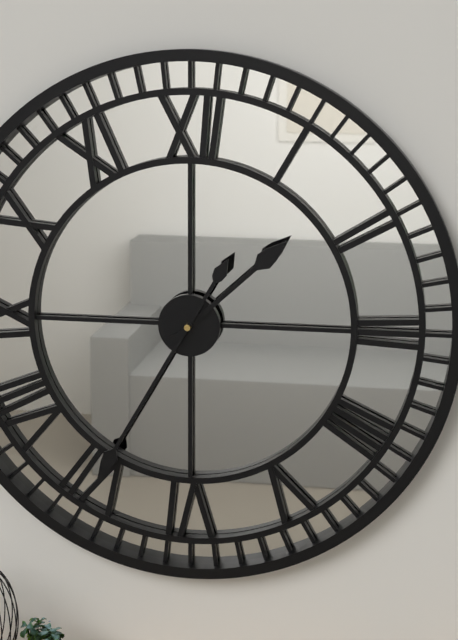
1:35
